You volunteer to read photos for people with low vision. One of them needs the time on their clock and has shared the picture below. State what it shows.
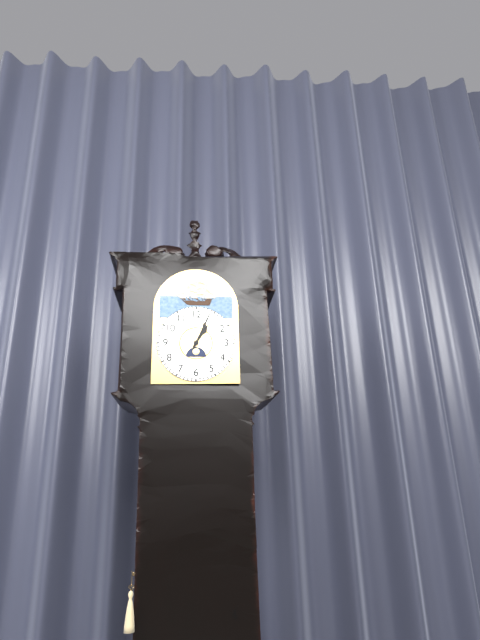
1:04
